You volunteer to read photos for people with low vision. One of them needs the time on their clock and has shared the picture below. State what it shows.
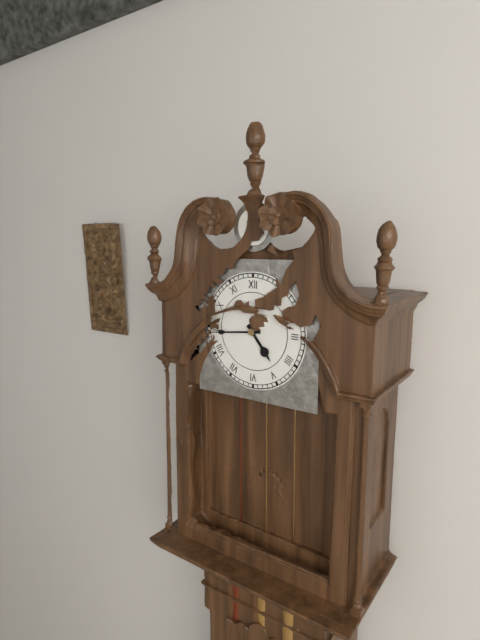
4:44
